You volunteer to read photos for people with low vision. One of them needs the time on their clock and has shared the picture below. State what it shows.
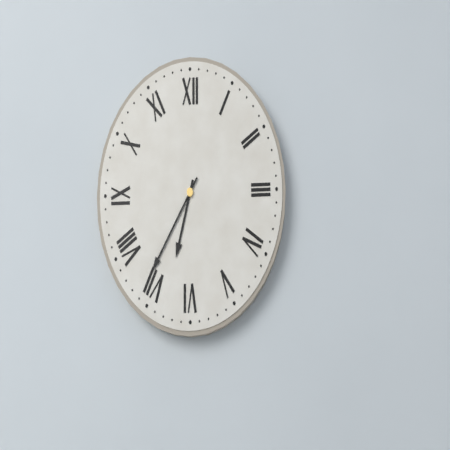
6:36
